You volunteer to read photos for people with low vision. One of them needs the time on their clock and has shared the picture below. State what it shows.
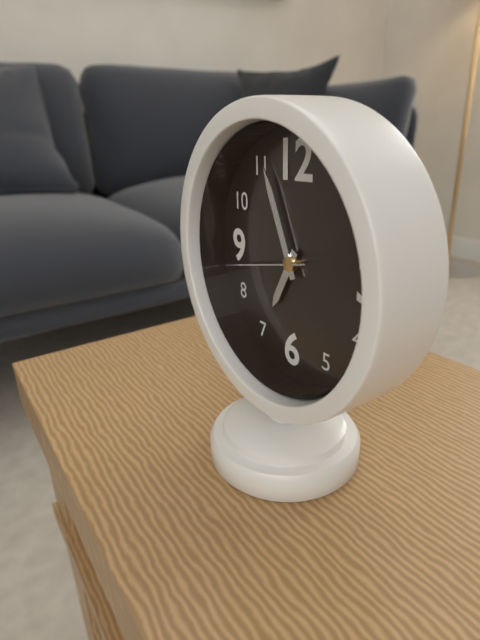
6:56:43
